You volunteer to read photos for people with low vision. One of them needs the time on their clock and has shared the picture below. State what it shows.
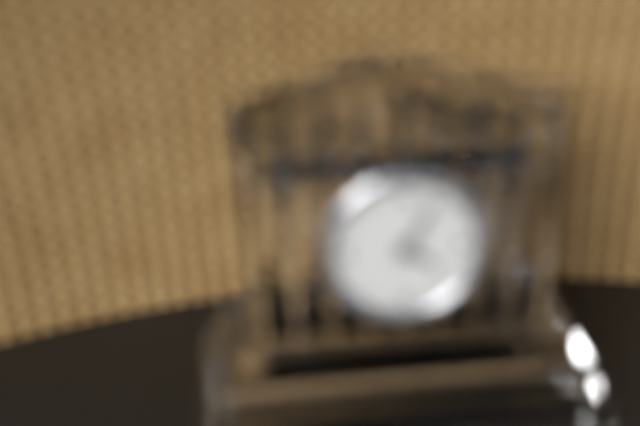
4:05
